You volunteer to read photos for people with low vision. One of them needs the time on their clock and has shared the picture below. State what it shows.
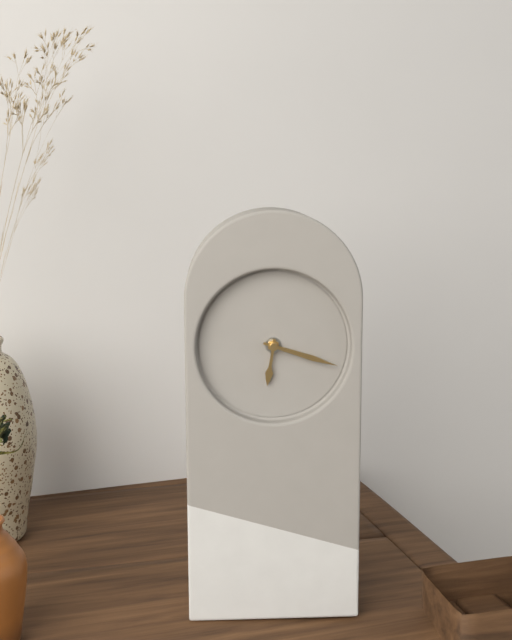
6:18
